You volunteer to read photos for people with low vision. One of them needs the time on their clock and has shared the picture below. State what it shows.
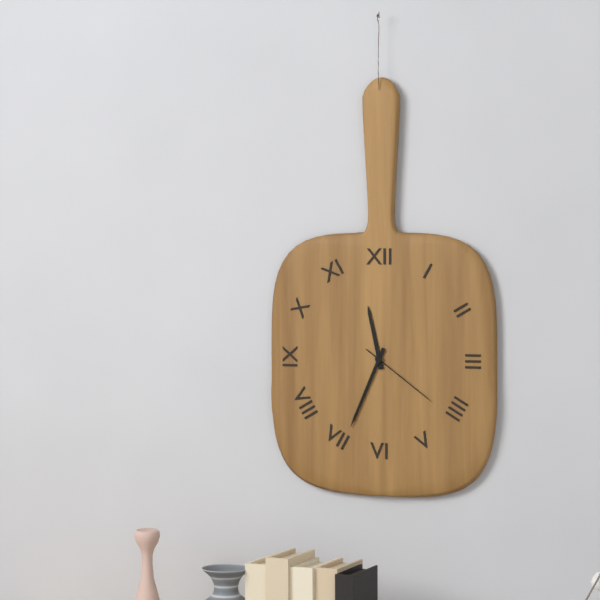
11:34:21
